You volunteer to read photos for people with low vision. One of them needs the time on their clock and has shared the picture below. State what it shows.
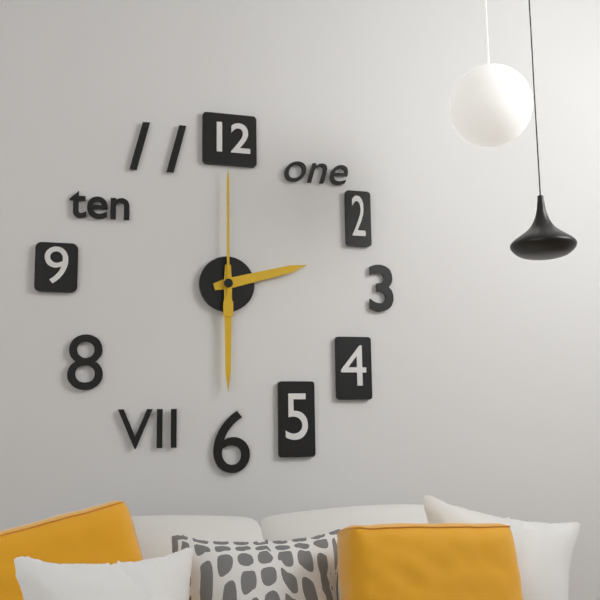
2:30:00
